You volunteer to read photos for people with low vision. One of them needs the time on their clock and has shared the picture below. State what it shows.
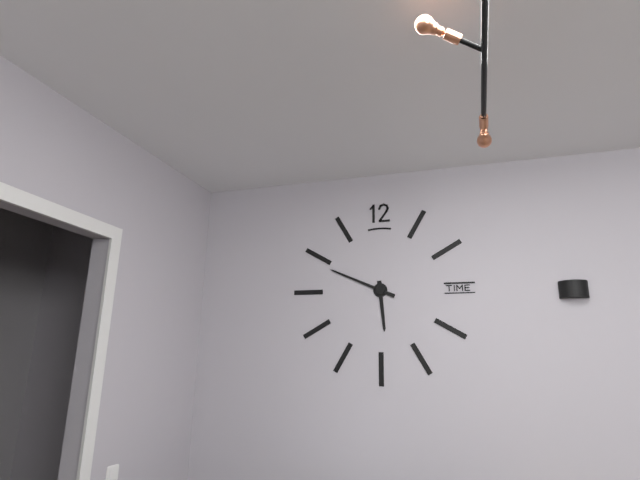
5:49
